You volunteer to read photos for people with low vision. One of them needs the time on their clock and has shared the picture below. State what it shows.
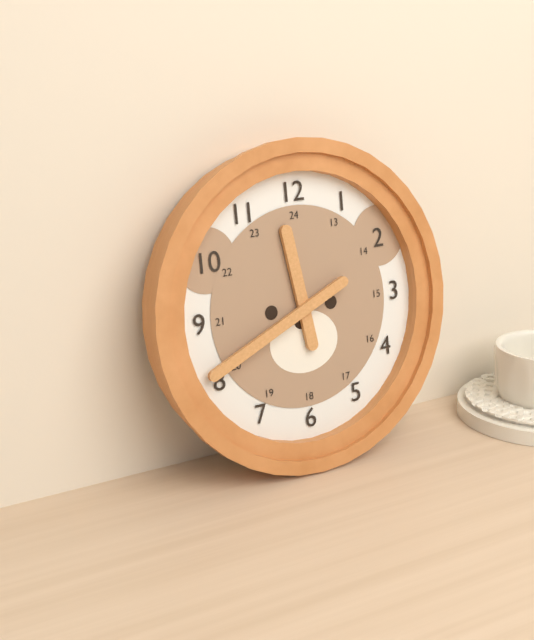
11:41
